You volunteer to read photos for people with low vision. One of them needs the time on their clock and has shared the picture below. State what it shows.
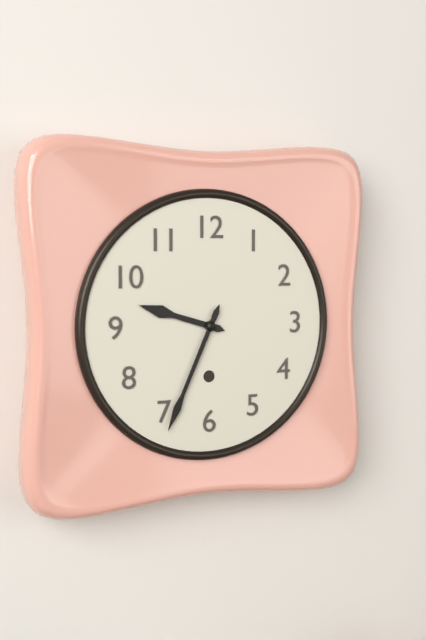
9:34
